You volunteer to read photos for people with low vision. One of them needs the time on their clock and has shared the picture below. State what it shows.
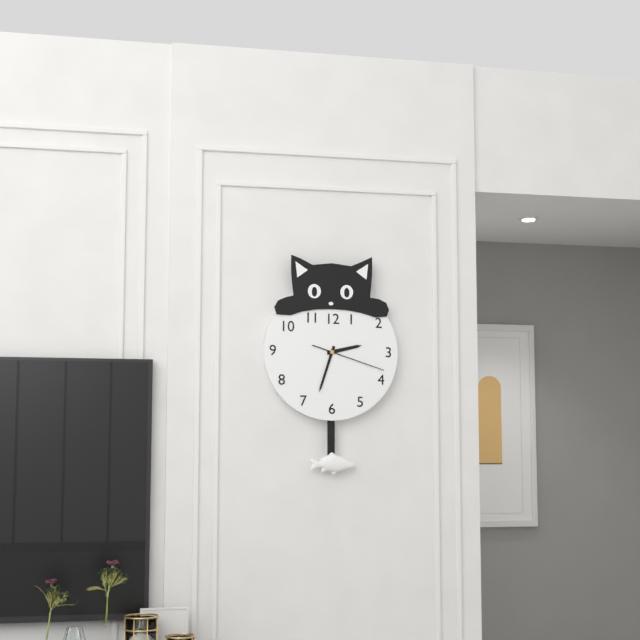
2:33:18
